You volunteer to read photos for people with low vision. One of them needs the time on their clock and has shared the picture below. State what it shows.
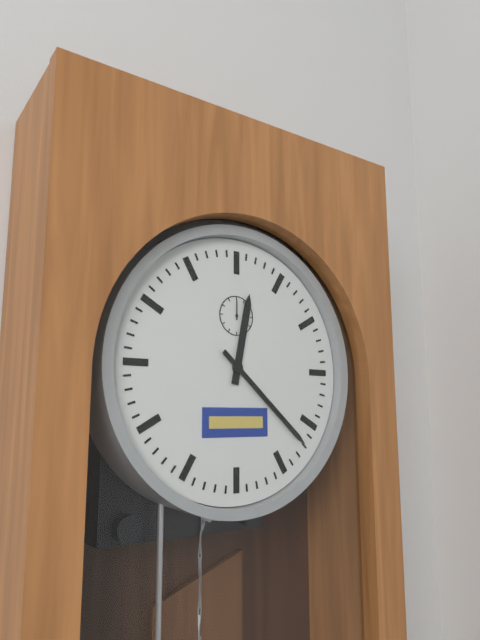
12:22
